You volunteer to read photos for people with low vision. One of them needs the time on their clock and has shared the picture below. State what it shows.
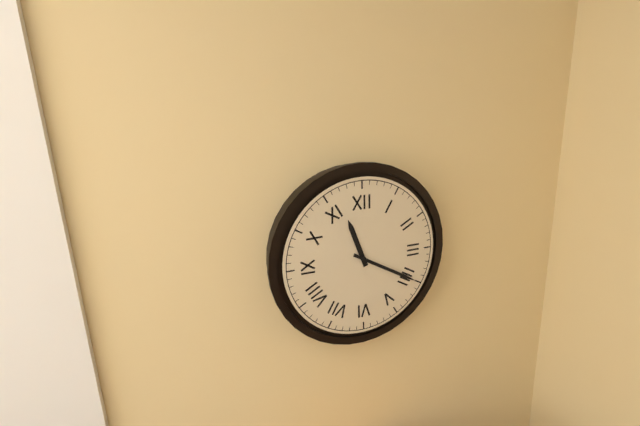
11:20
